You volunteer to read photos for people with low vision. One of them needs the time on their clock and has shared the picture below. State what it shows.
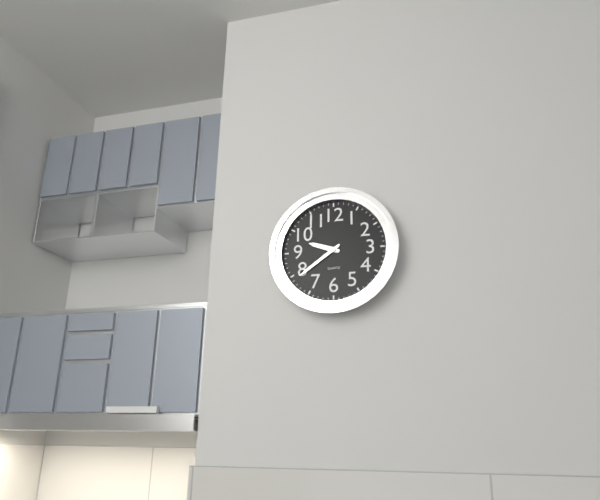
9:39
